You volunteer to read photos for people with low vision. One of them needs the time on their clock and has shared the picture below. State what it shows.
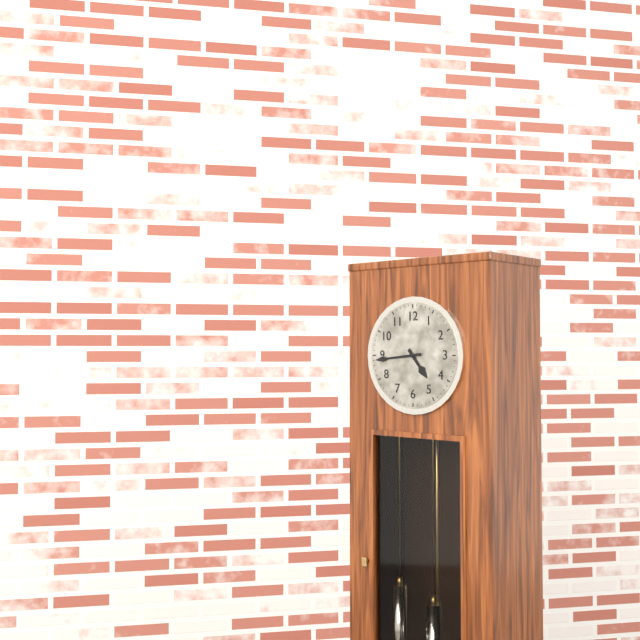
4:44
